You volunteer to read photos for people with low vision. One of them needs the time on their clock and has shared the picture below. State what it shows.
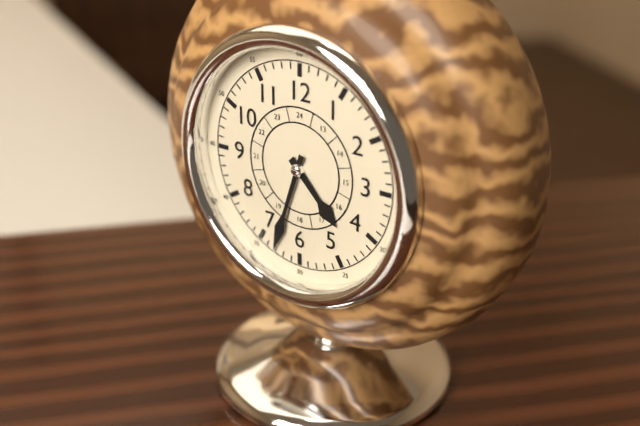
4:33
